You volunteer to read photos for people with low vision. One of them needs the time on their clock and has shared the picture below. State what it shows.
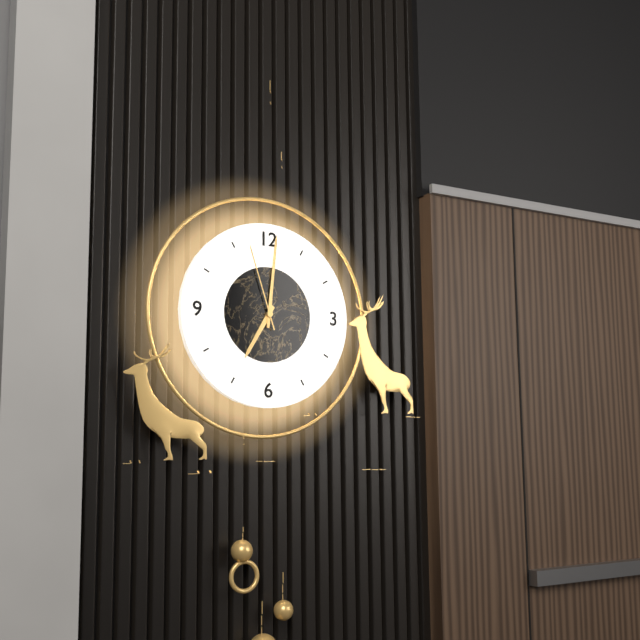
7:01:57
